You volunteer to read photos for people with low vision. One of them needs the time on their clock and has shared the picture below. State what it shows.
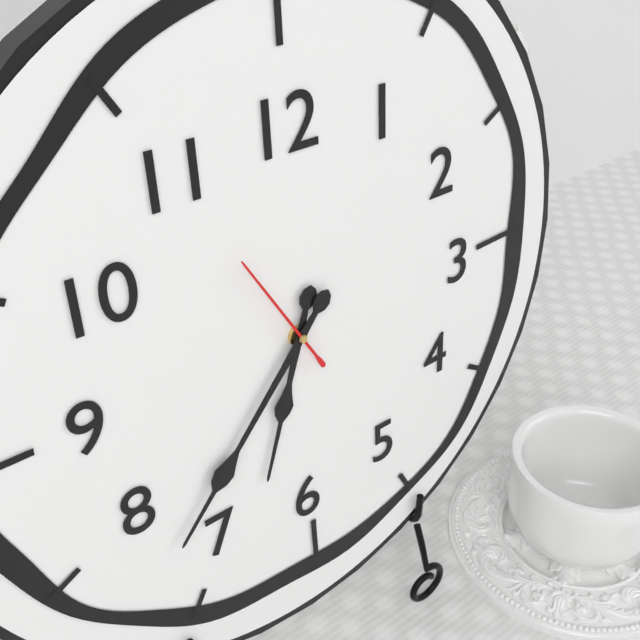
6:37:55
